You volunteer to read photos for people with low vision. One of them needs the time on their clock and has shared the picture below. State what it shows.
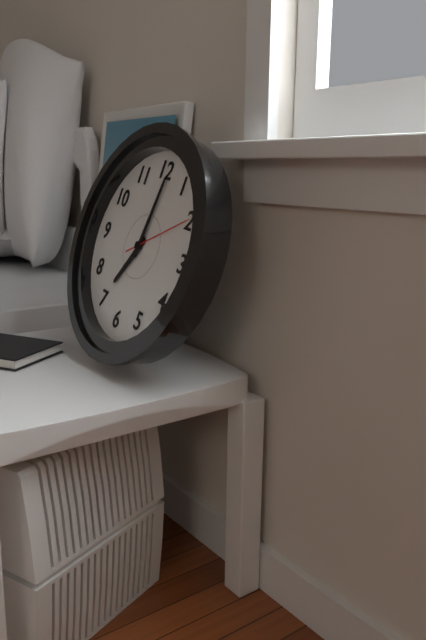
7:01:10
